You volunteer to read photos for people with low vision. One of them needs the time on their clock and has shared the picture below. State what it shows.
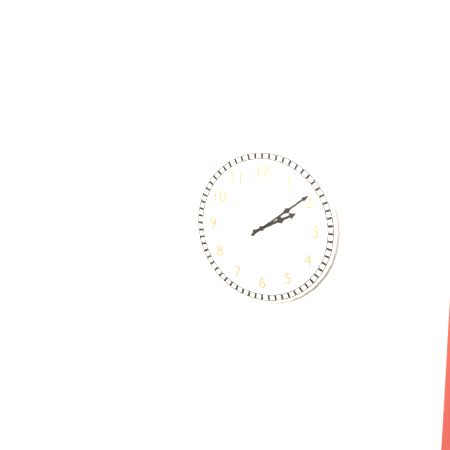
2:09
